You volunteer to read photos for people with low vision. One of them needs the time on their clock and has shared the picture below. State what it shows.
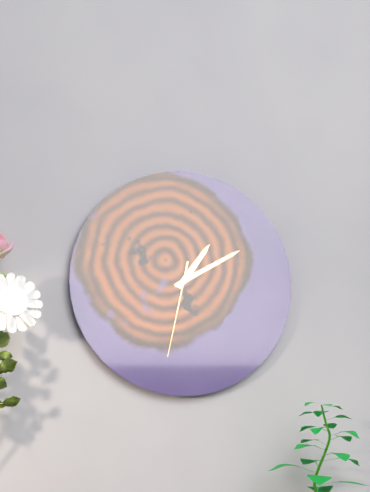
1:10:32
